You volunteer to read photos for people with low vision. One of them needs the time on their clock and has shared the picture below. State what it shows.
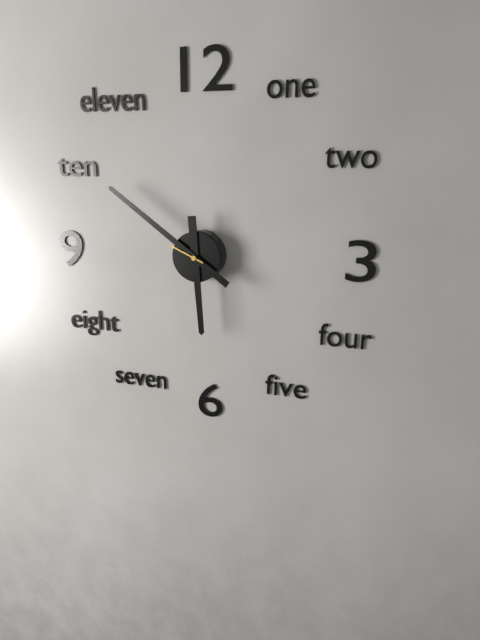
5:51
